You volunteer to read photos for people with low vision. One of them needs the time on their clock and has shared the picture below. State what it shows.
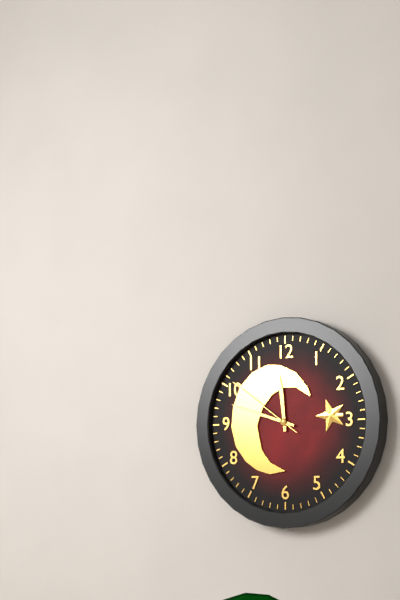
11:48:51
